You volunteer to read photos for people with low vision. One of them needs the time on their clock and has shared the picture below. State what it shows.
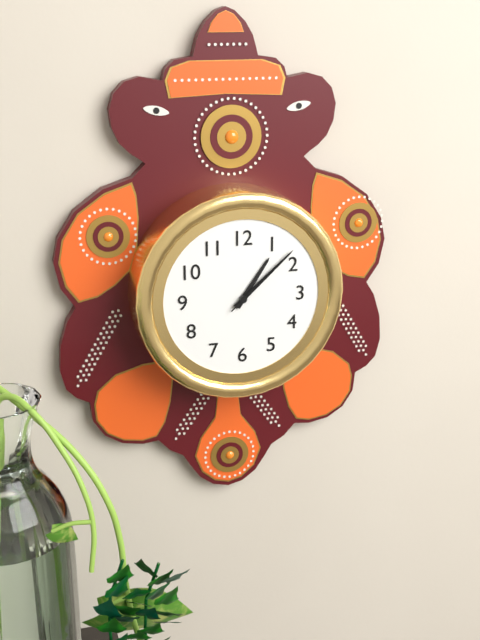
1:08:08
